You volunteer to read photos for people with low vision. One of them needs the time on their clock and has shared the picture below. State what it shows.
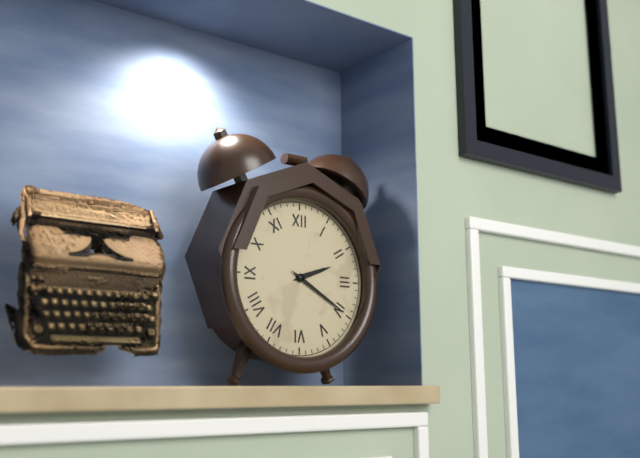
2:20
